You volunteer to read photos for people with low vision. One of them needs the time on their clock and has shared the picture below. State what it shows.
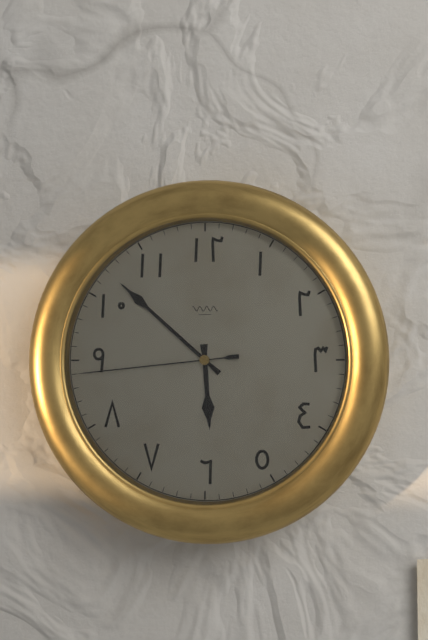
5:52:44
